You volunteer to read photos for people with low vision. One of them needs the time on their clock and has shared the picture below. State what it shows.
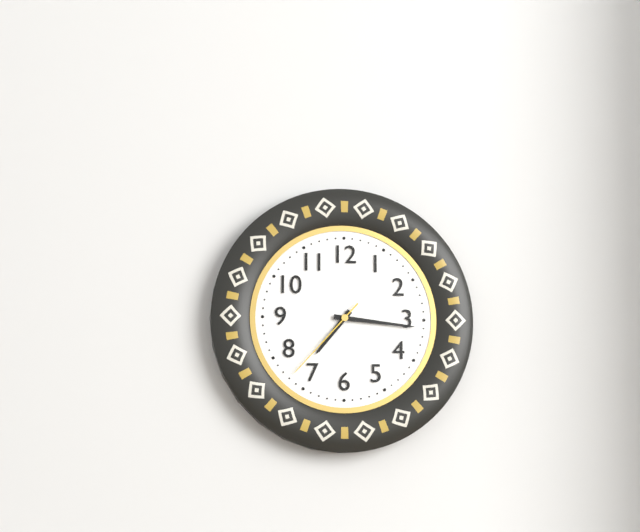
7:16:37
